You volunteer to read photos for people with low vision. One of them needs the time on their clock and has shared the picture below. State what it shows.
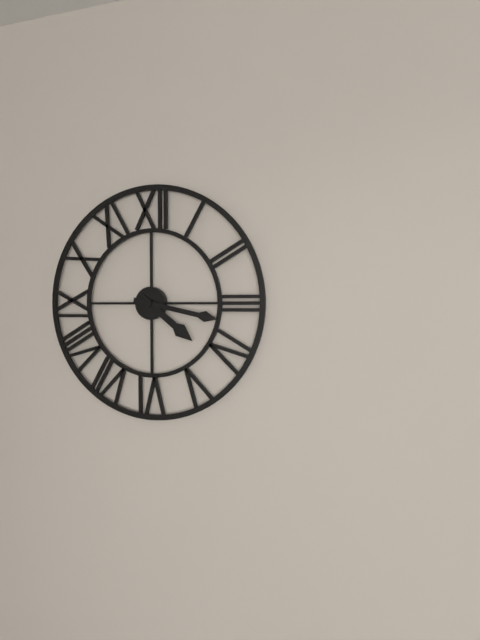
4:17
